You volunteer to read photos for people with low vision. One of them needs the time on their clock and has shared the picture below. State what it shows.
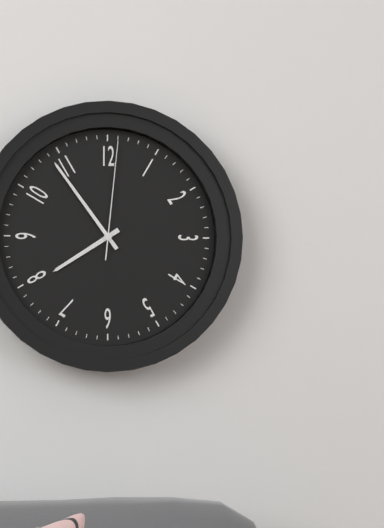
7:54:01
